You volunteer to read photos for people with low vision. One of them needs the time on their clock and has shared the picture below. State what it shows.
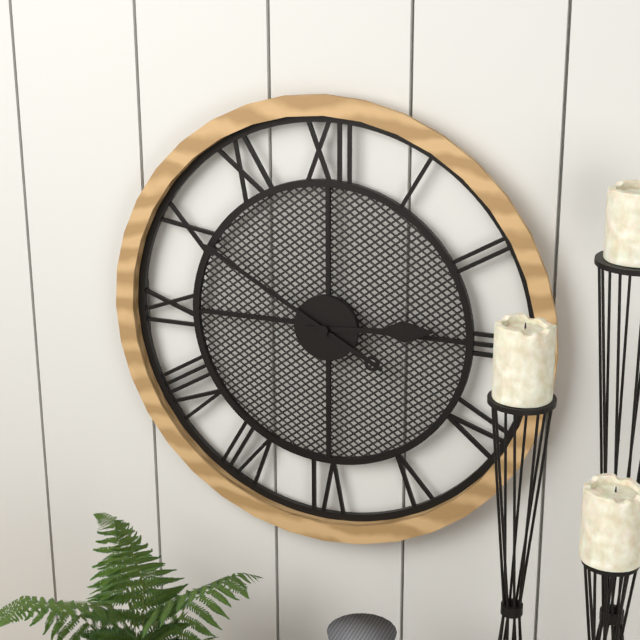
2:50
